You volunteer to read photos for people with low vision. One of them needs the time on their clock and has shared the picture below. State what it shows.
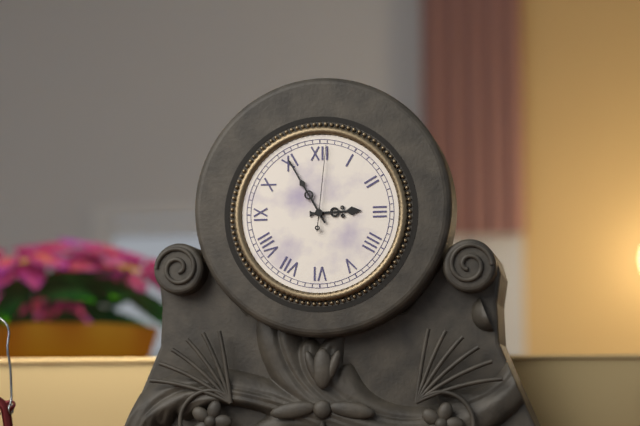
2:55:01
